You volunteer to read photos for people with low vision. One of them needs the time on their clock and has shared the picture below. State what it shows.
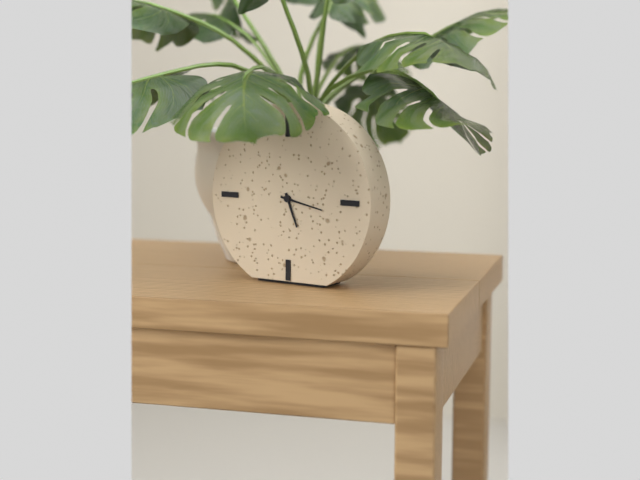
5:17
